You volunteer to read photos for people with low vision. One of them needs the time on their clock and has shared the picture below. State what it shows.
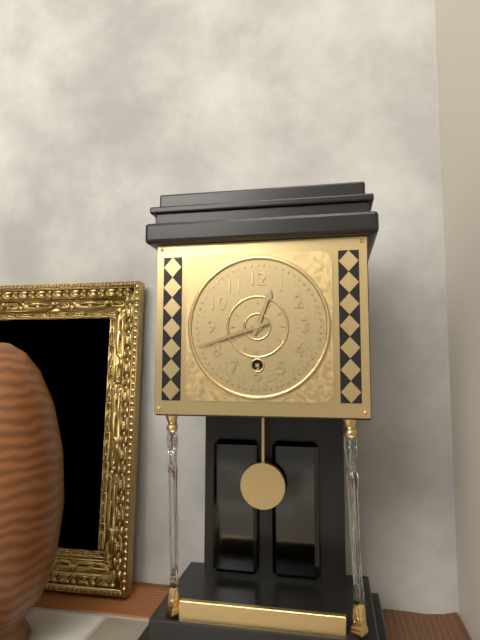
12:42
